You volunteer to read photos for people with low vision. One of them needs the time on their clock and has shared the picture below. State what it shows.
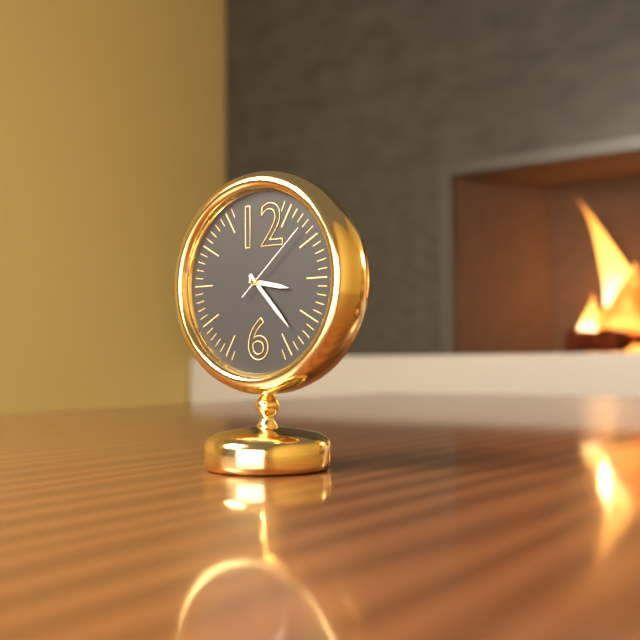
3:23:08
